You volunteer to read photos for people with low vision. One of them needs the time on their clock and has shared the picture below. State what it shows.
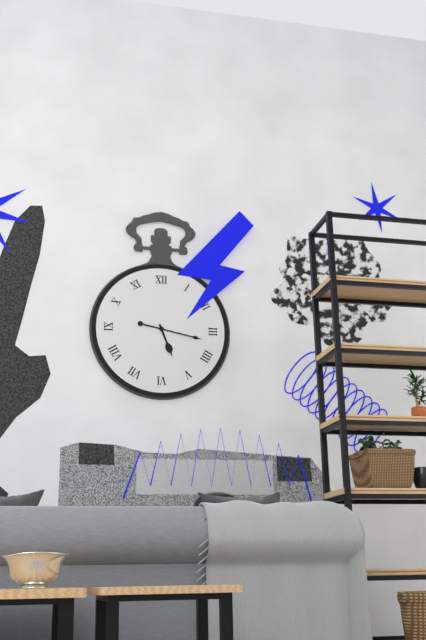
5:17
